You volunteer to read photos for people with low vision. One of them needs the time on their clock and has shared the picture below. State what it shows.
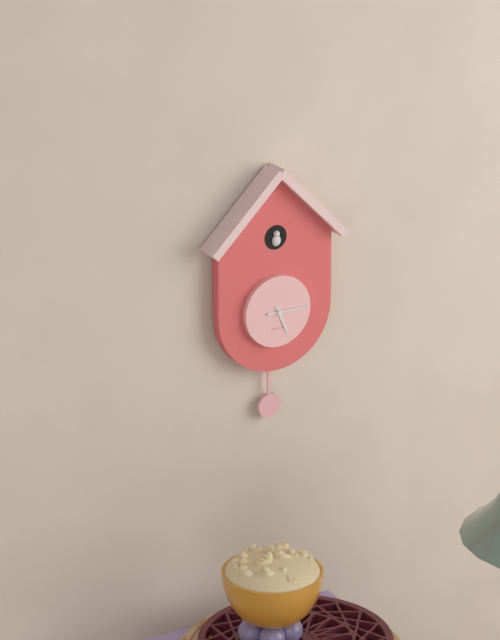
5:15
